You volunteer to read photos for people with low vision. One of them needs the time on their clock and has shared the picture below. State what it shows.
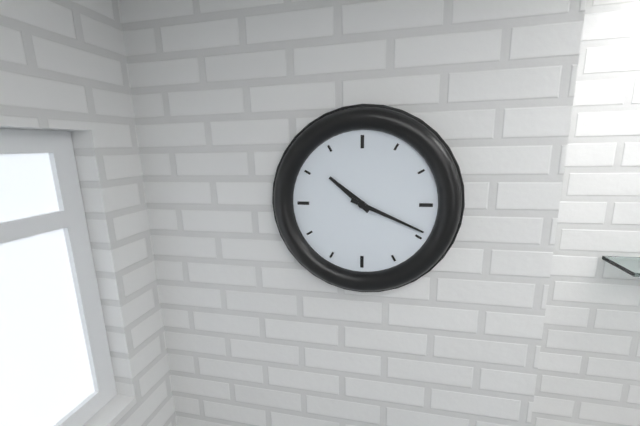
10:19
